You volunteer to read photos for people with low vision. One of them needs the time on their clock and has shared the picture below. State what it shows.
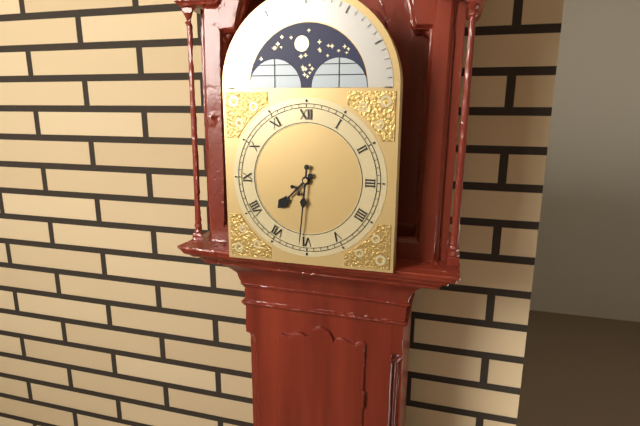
7:31
